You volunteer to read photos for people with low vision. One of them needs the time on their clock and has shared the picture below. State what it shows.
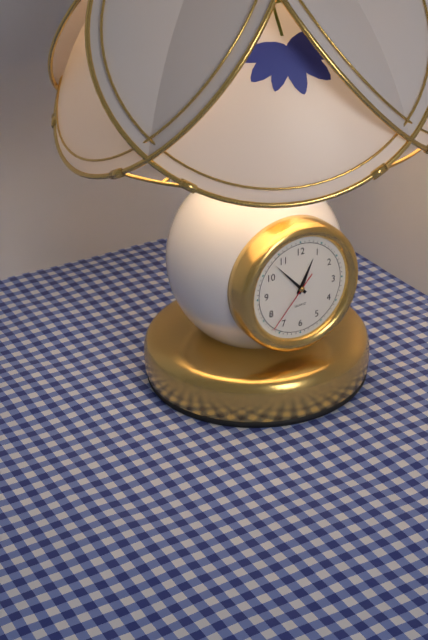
12:53:37
